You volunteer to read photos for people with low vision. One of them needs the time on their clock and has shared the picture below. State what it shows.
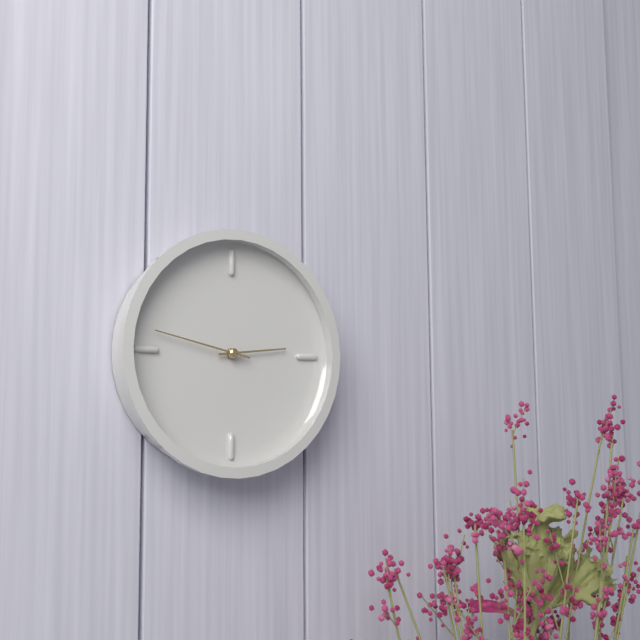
2:47
